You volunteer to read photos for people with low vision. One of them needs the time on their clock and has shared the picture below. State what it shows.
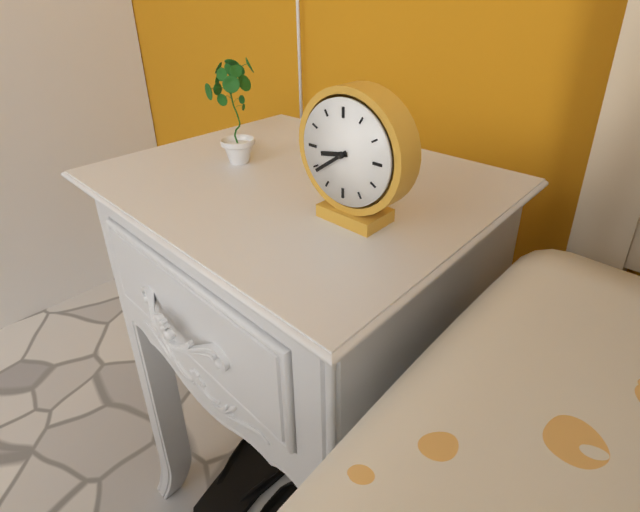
8:39
